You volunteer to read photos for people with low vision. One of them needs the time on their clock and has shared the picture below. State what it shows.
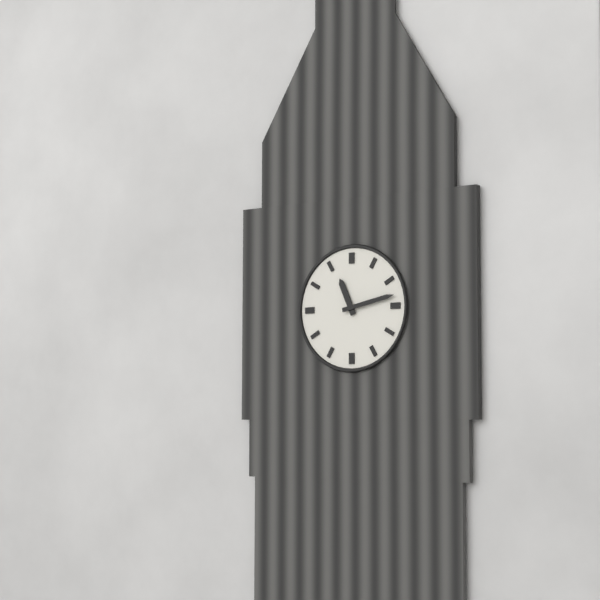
11:13
